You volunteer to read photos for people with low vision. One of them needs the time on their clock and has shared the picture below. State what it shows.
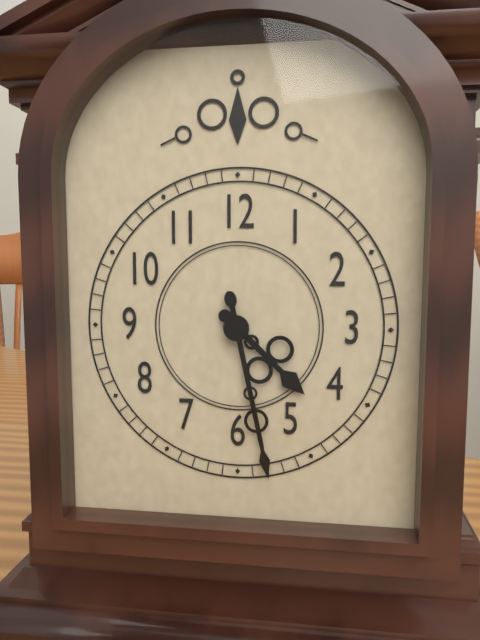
4:28
